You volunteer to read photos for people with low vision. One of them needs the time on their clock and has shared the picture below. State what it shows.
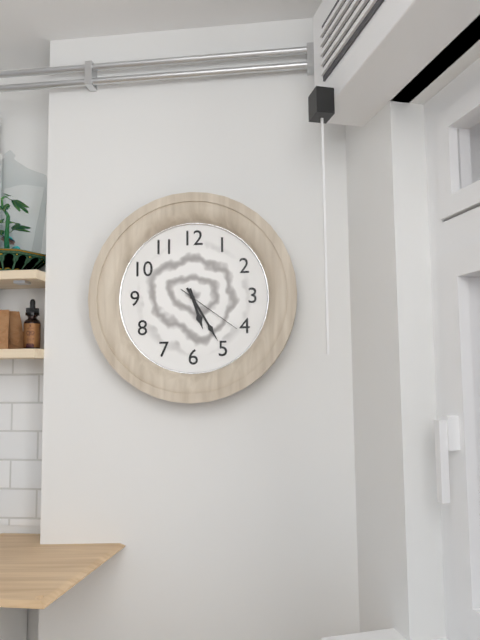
5:25:21
